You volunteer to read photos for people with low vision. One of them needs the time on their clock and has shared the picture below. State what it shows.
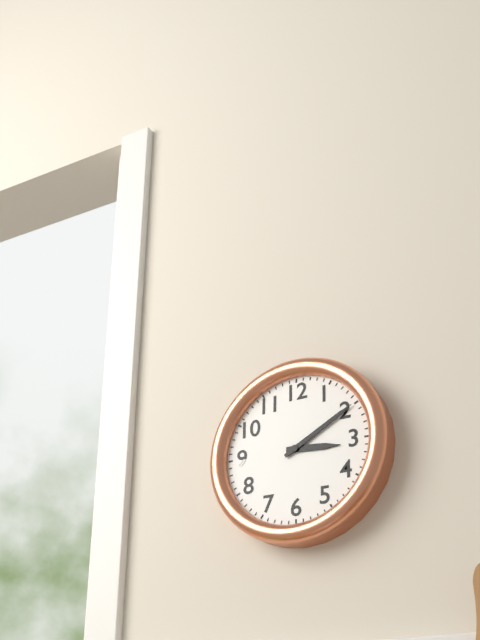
3:10
